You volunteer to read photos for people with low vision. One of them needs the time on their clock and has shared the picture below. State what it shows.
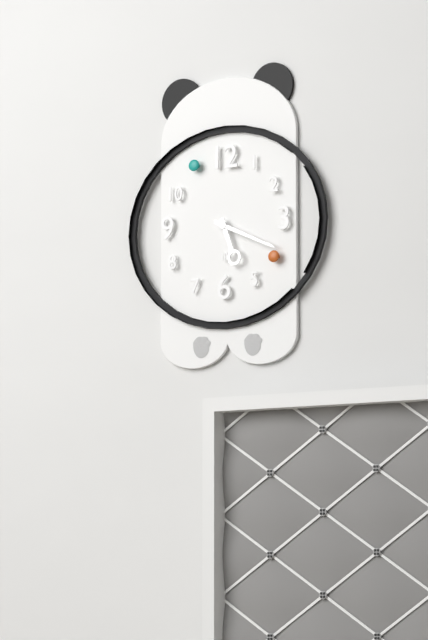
5:19
